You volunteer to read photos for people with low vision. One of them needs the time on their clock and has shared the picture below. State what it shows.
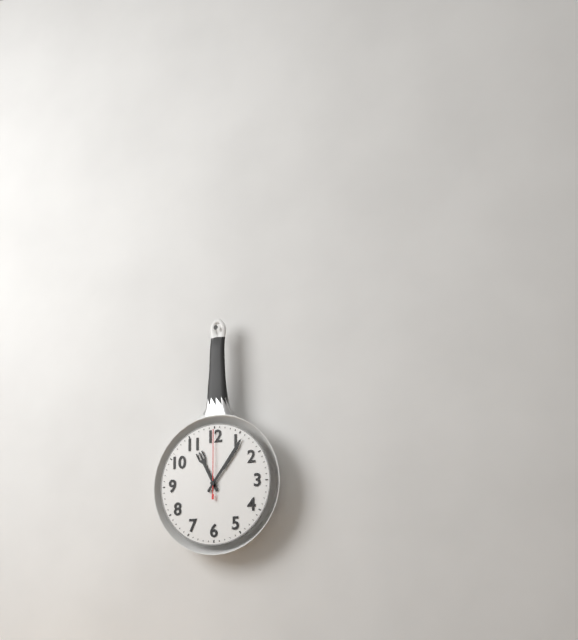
11:06:00
